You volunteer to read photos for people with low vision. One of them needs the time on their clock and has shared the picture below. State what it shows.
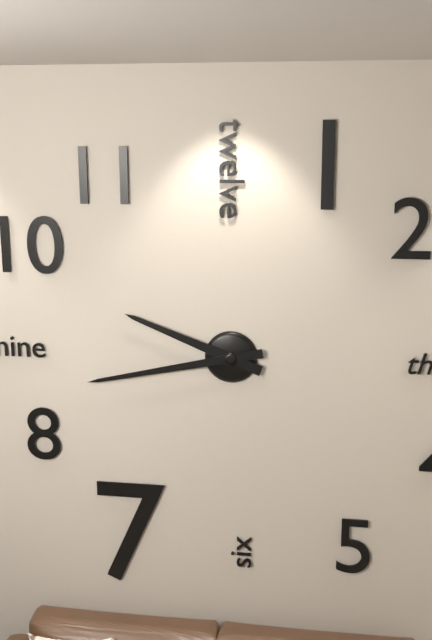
9:43
